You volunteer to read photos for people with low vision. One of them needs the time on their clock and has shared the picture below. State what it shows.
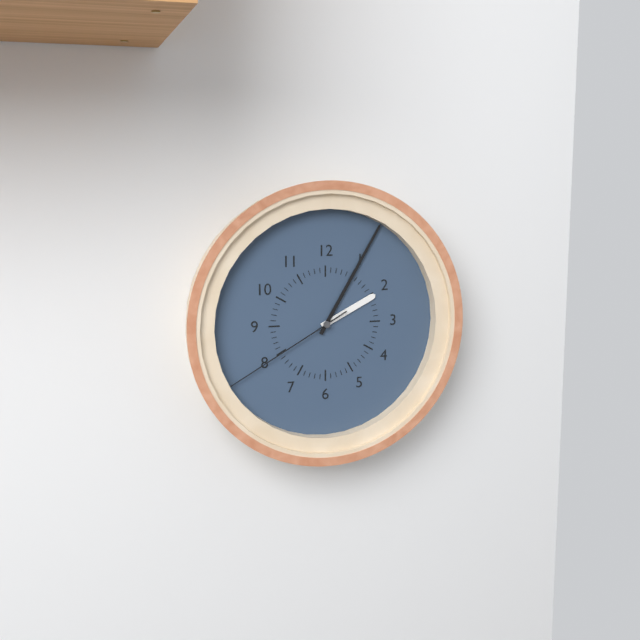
2:05:40
